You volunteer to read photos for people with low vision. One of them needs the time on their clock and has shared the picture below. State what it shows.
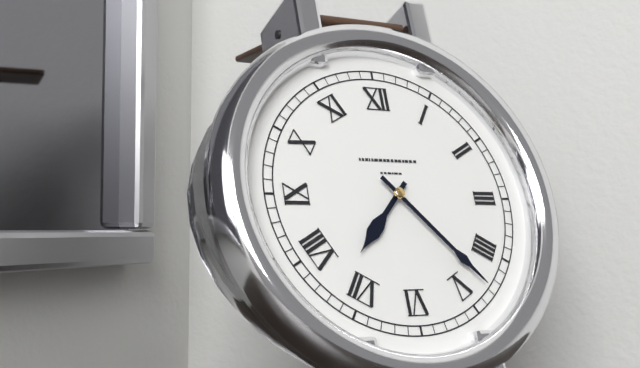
7:23
